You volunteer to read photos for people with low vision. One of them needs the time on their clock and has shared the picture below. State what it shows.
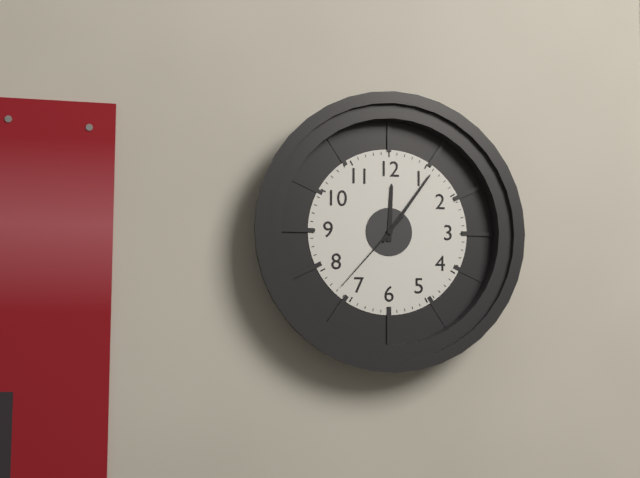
12:06:37
